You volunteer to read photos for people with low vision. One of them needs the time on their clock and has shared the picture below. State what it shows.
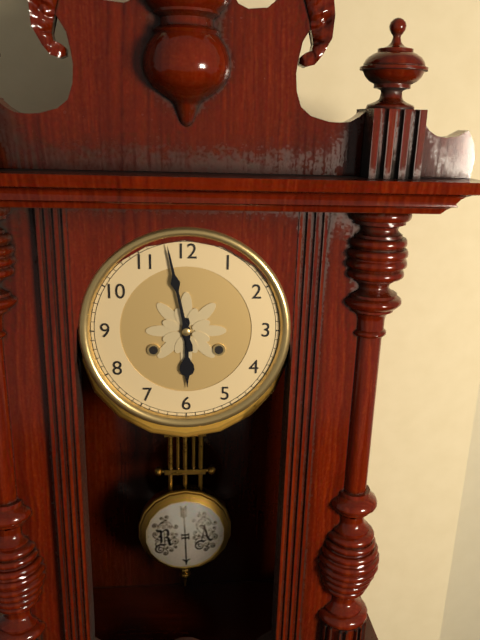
5:58
